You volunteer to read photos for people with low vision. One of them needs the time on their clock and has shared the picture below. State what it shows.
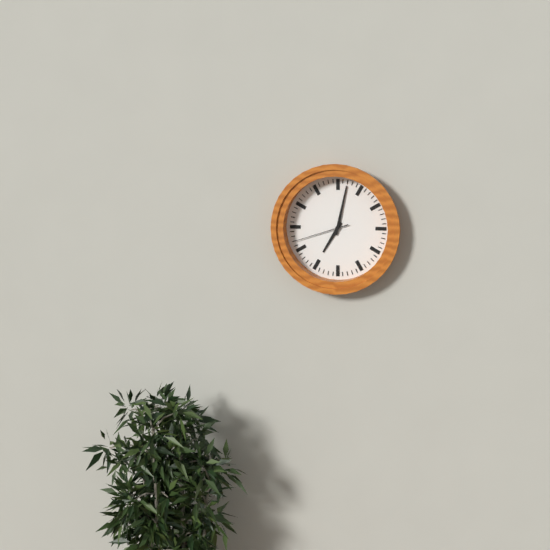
7:02:42
